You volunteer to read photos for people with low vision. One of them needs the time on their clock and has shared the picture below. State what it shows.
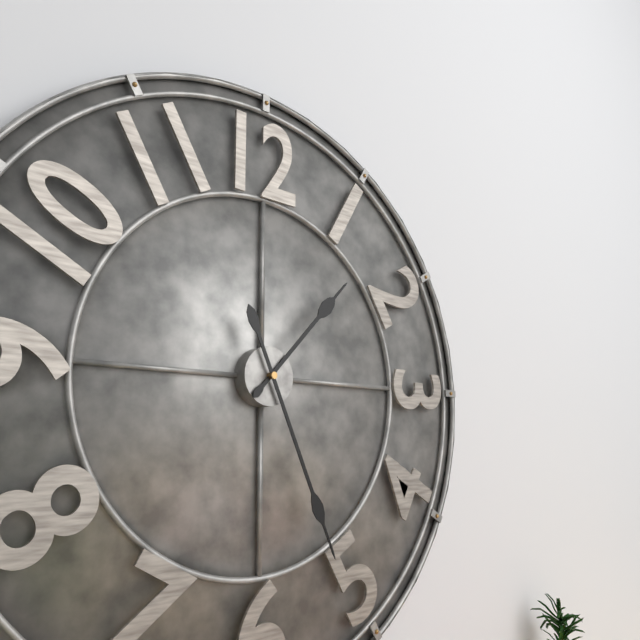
1:26
